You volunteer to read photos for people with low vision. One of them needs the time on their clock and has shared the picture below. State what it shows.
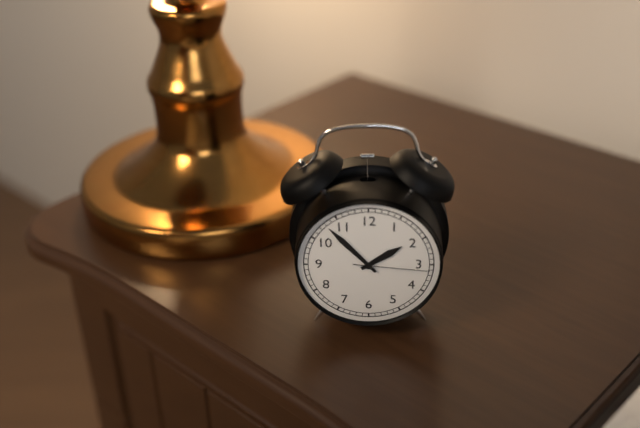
1:53:16
